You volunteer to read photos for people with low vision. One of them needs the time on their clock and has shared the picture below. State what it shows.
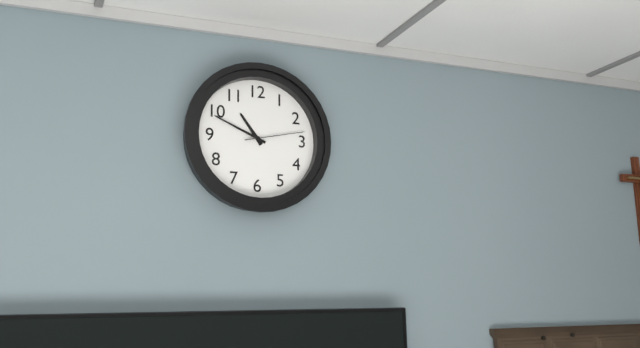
10:49:13
